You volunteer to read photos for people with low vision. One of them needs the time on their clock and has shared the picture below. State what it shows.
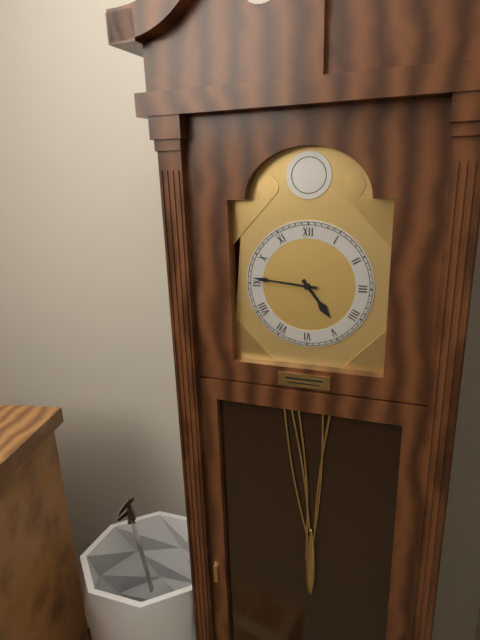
4:46
